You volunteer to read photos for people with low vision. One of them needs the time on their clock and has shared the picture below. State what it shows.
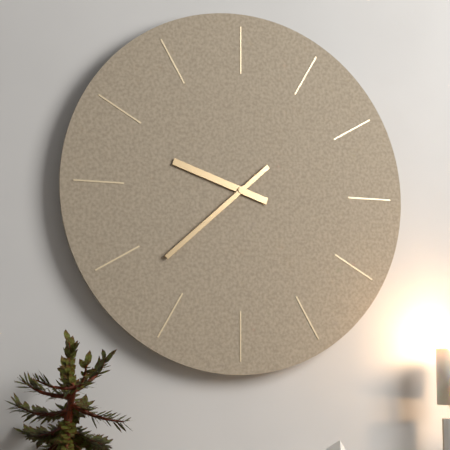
9:38
